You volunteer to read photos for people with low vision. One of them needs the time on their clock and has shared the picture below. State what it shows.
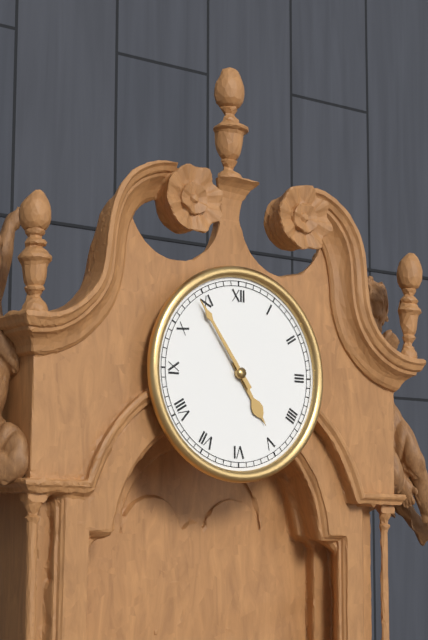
4:54
